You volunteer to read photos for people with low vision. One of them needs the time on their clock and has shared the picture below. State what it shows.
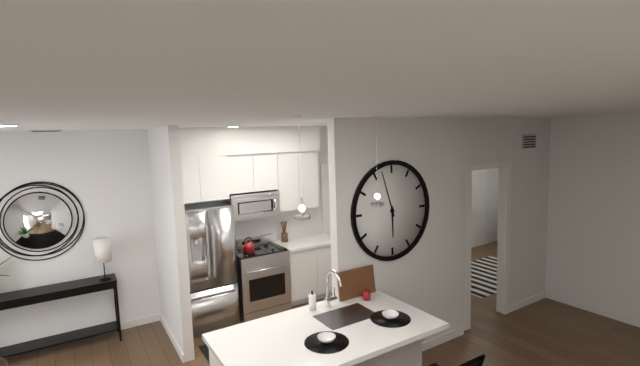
5:57
